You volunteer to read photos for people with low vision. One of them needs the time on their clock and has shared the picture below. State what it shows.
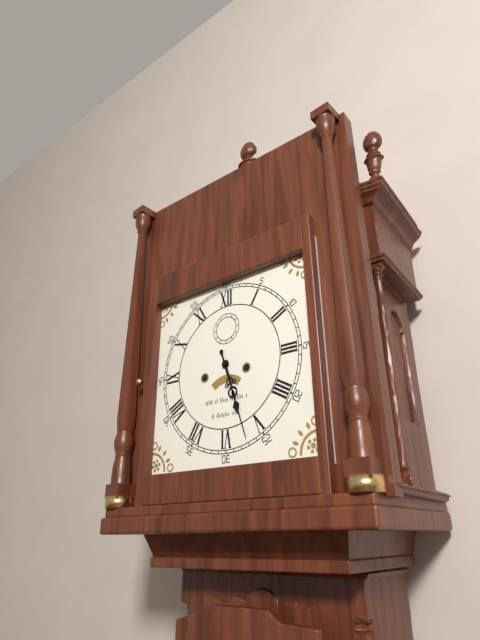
5:27
